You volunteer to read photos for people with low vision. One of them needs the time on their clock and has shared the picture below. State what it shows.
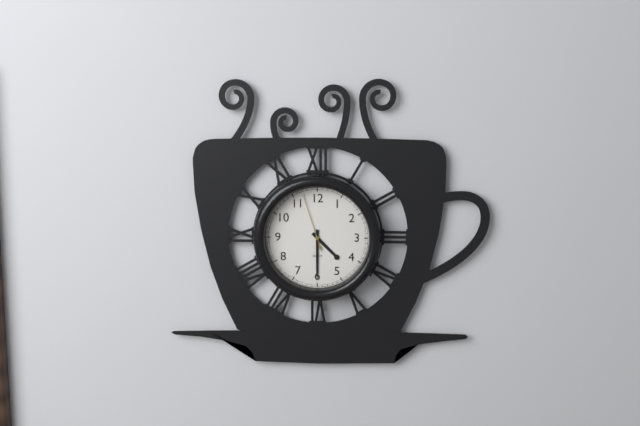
4:30:57
